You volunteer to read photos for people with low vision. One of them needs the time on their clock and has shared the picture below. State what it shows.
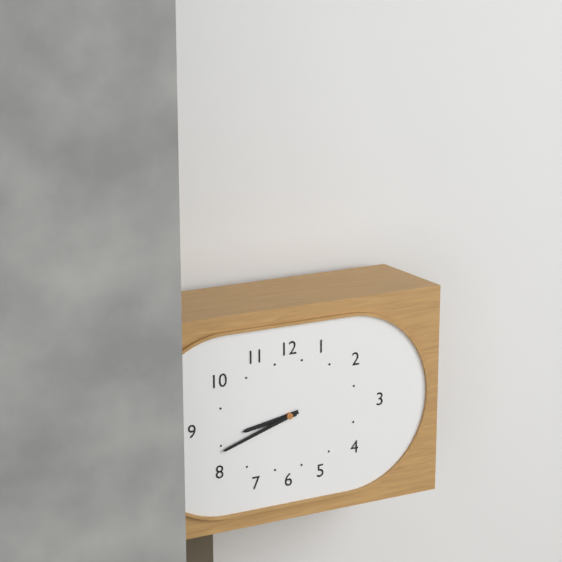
8:42
